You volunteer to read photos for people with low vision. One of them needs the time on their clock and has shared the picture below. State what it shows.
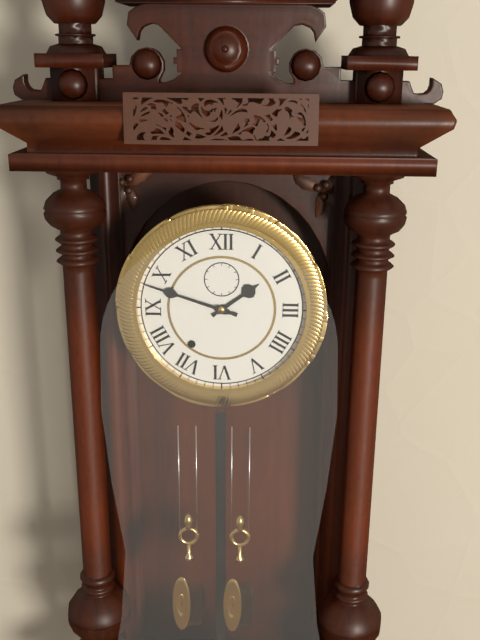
1:48
